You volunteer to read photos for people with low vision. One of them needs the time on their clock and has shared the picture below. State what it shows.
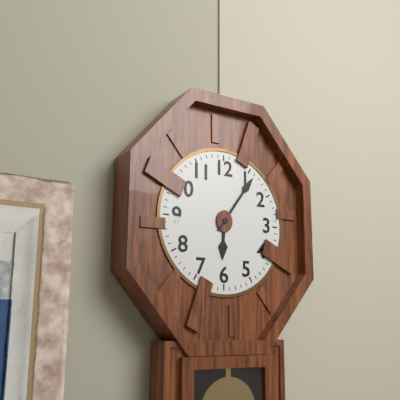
6:06
